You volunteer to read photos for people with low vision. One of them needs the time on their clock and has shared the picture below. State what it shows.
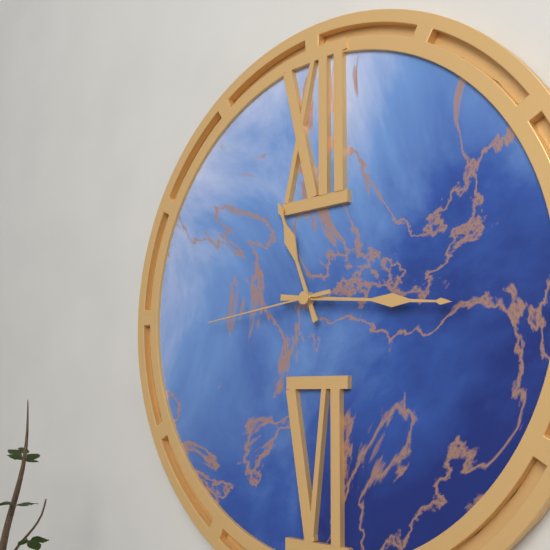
11:16:44
